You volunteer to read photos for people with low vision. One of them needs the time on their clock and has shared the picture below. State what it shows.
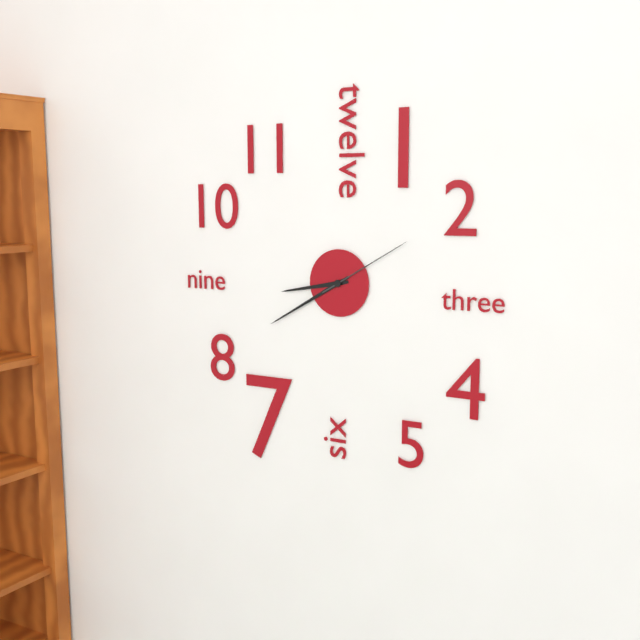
8:40:10
